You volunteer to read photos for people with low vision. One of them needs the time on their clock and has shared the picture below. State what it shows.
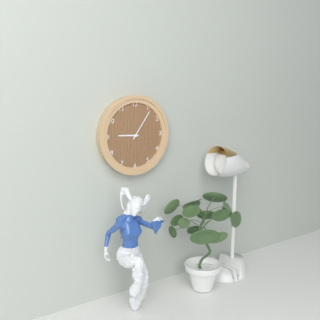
9:06
